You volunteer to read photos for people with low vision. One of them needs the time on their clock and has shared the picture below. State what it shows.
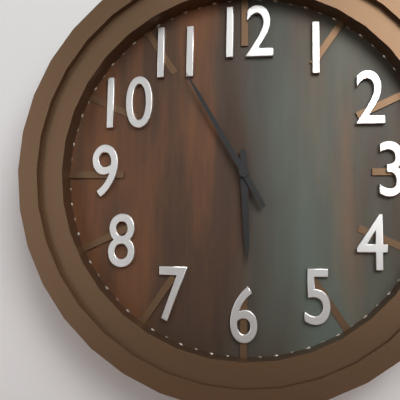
5:55
